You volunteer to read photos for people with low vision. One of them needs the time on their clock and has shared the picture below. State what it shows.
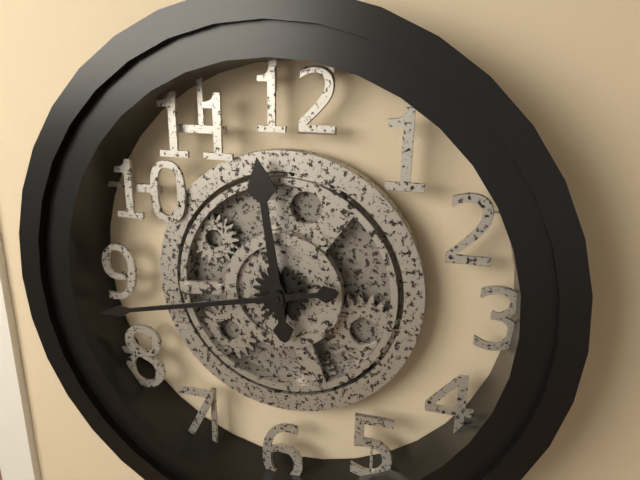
11:43
